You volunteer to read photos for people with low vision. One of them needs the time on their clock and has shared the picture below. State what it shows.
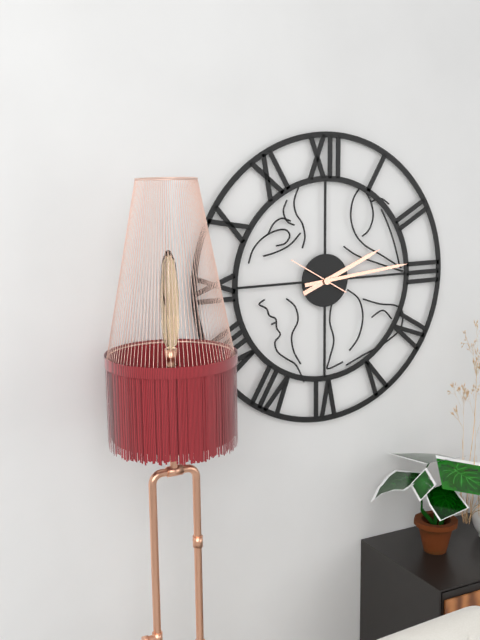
2:14
